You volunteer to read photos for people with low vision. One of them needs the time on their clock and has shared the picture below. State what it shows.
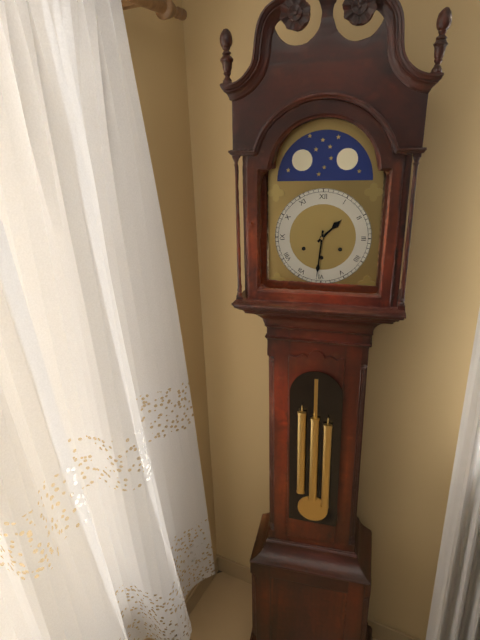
1:31
